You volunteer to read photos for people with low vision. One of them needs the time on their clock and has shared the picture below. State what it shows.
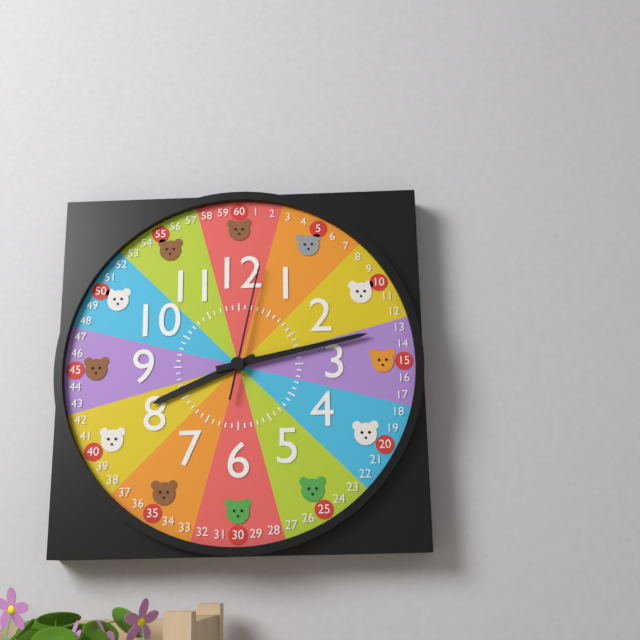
8:13:02
